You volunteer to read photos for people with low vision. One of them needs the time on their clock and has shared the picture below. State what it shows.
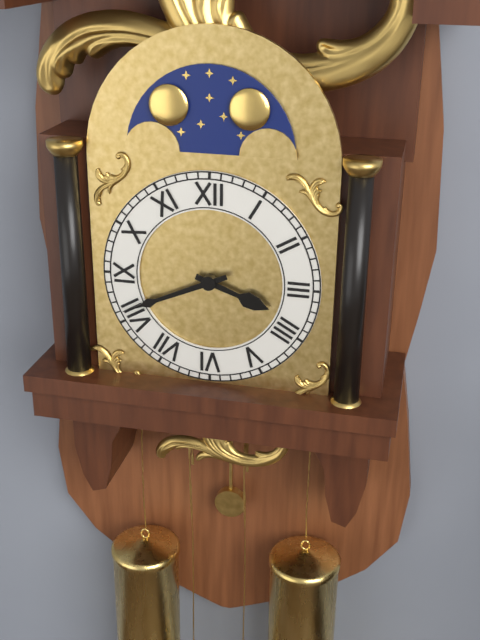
3:41
